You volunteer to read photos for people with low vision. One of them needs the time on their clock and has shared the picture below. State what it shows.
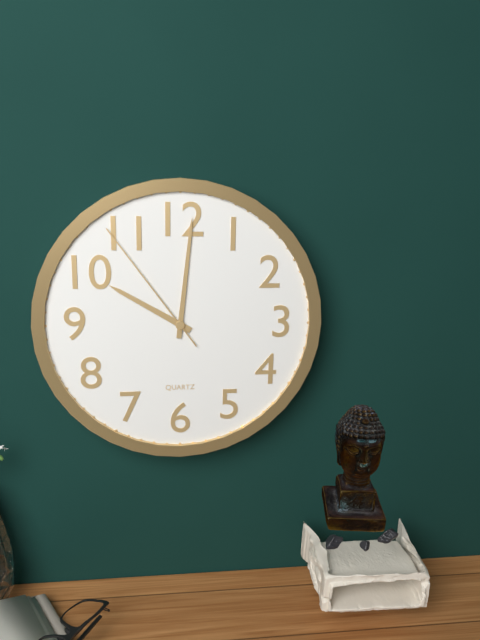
10:01:54
